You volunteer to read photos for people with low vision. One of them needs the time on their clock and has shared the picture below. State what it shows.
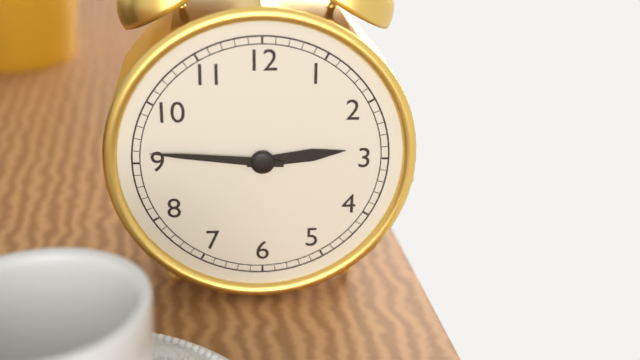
2:46
